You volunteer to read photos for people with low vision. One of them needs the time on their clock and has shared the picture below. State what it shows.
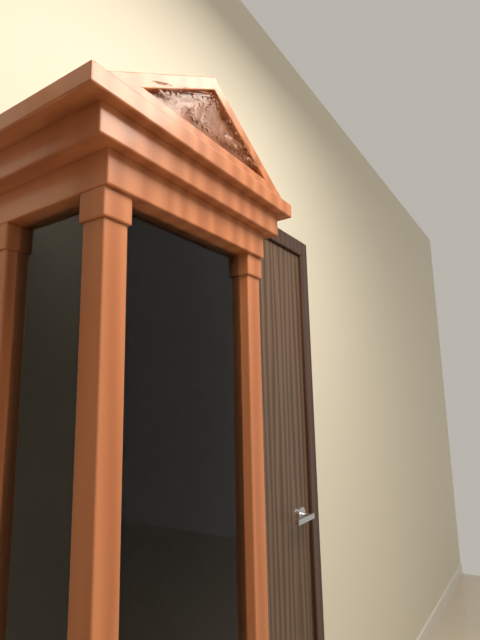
12:39
